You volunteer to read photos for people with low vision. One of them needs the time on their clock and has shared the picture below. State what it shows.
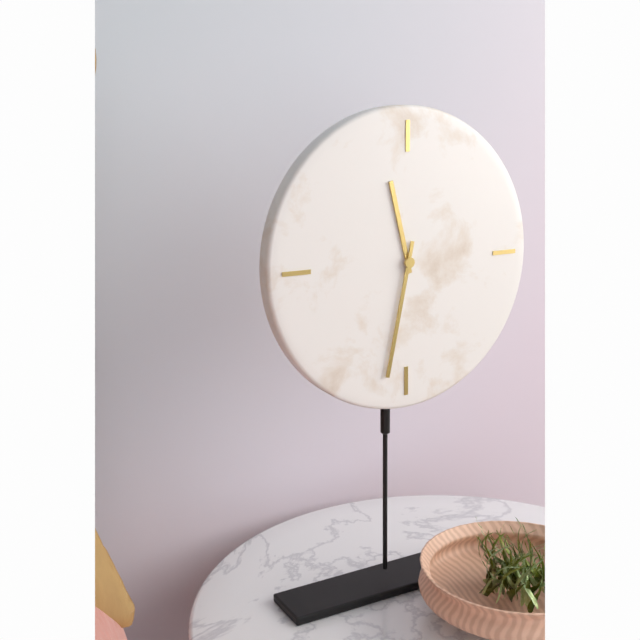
11:32
